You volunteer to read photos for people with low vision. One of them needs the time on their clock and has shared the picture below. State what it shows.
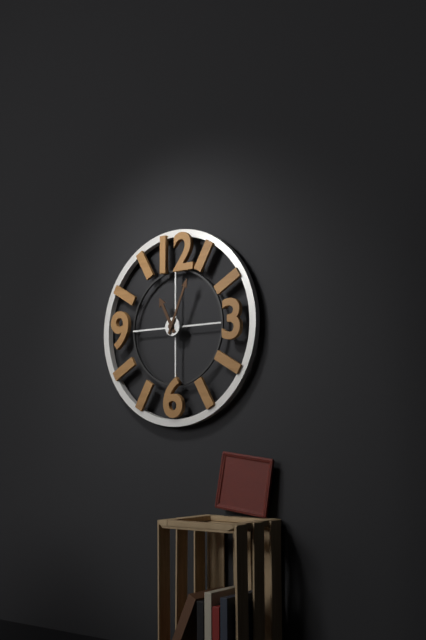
11:04
